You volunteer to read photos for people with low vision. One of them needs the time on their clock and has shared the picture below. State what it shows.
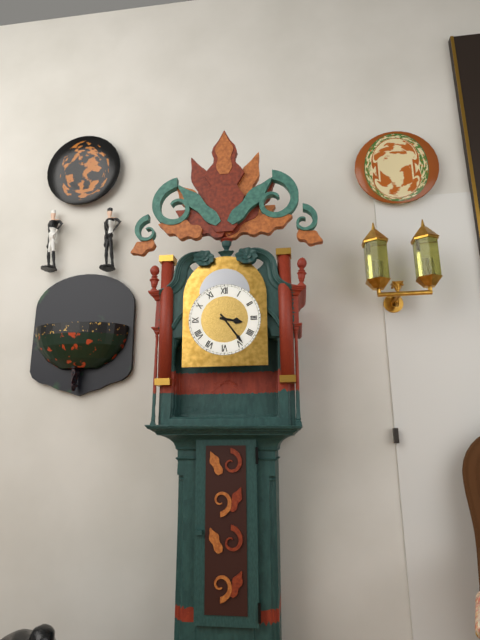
3:24
